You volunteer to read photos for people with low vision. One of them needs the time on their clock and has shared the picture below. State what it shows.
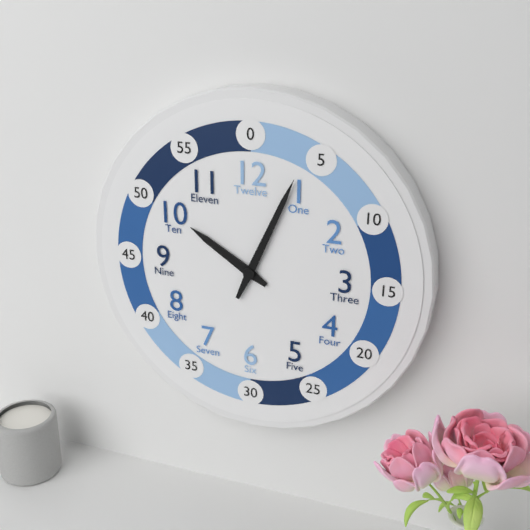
10:04
